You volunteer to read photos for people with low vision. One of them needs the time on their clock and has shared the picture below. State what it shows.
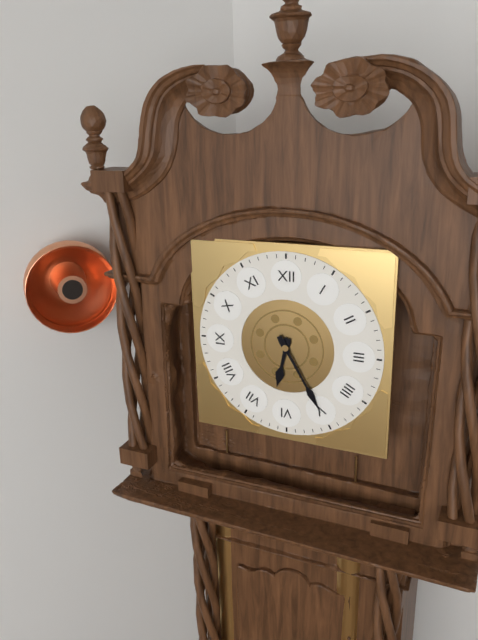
6:25
